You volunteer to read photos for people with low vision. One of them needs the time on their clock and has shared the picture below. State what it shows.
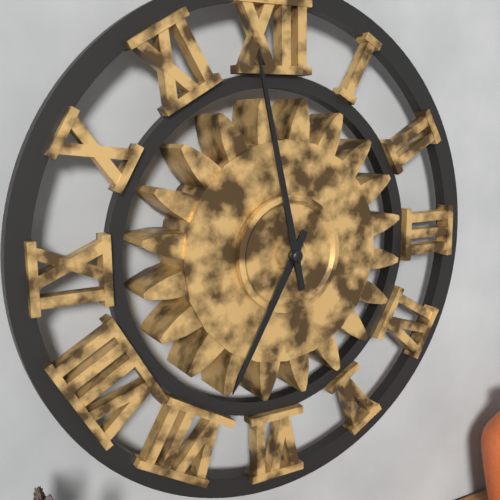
6:58
